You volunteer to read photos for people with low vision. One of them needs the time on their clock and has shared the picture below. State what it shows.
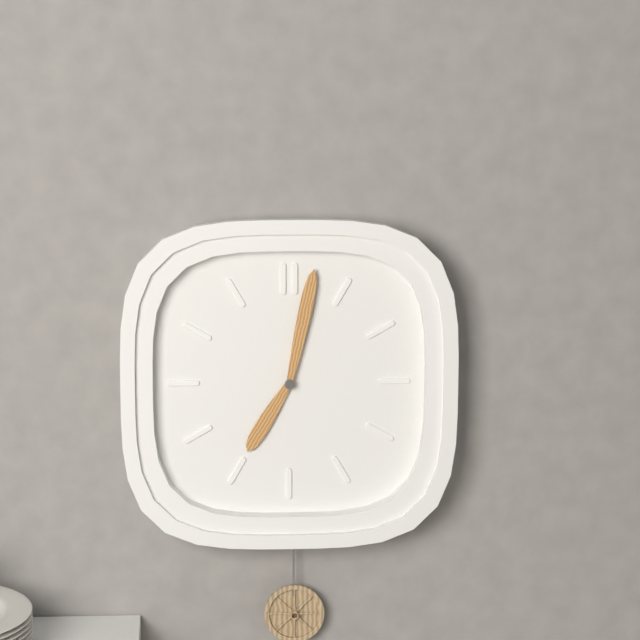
7:02
